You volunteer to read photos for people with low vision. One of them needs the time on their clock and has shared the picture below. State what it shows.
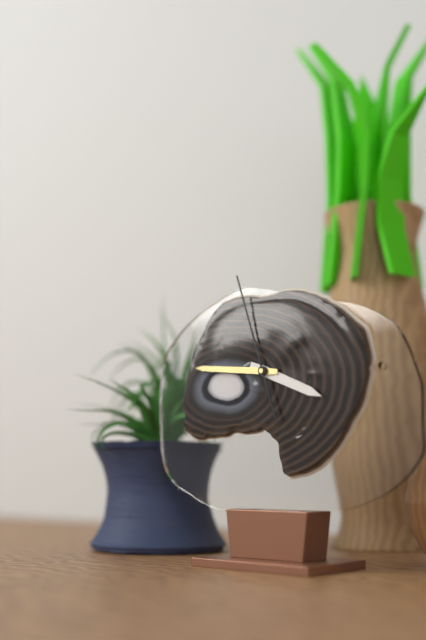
3:46:57
